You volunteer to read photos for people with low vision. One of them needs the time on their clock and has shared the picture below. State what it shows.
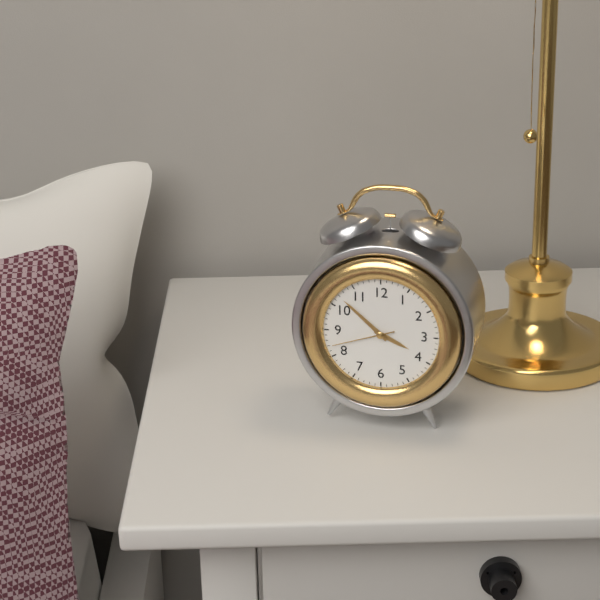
3:52:42
